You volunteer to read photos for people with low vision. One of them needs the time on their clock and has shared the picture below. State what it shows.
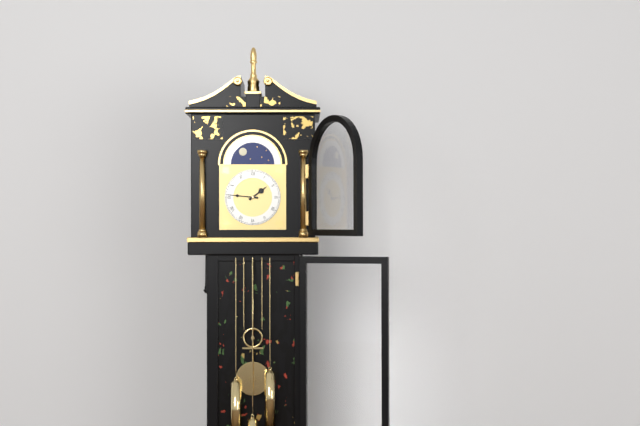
1:46
